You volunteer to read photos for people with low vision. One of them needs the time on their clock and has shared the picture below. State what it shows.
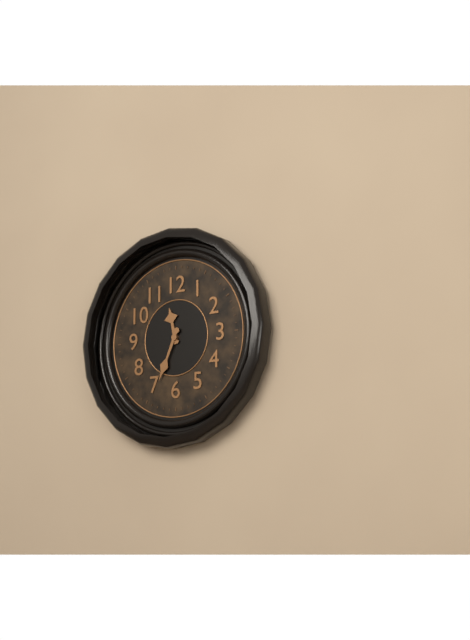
11:34
